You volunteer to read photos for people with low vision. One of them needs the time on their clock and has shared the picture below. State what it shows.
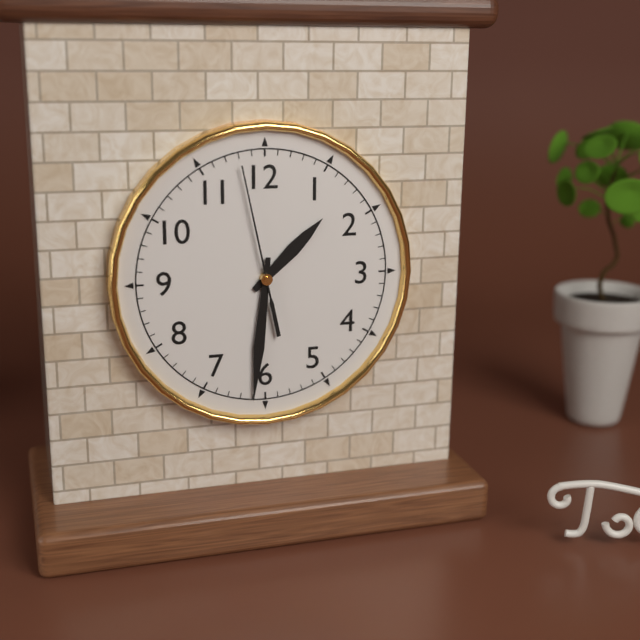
1:31:58
